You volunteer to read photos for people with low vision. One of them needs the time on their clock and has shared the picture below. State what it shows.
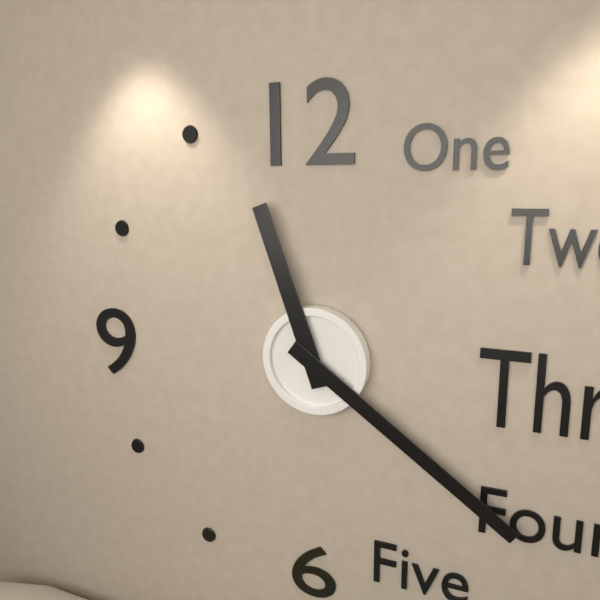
11:21
